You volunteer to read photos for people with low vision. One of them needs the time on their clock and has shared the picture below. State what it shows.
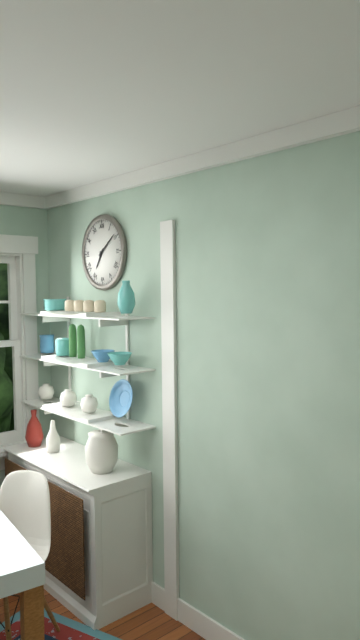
7:09
